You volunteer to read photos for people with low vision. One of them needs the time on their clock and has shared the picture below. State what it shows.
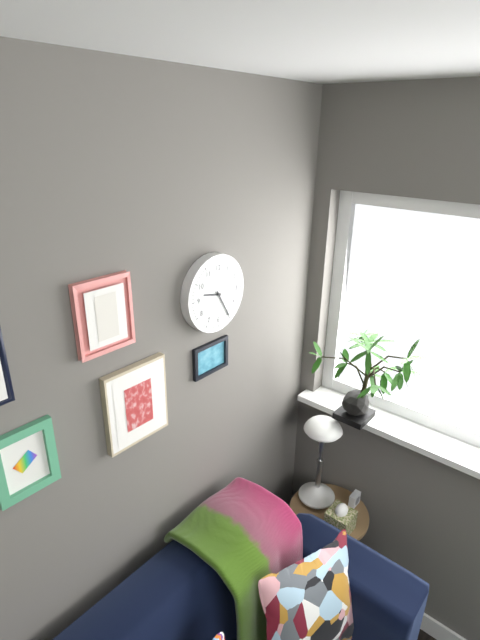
9:25
